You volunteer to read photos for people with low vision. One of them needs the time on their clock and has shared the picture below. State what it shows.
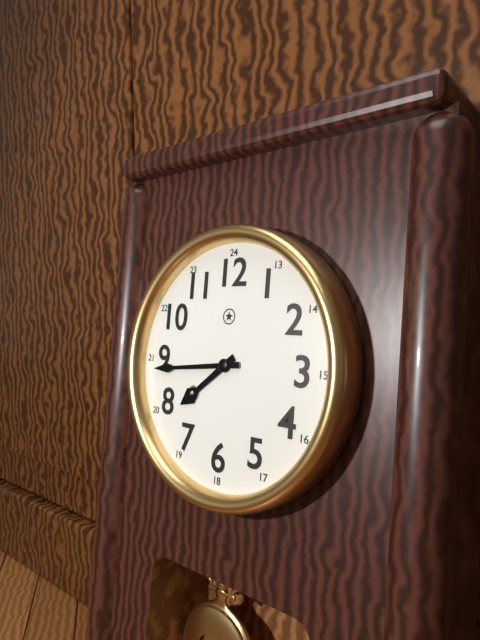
7:44
